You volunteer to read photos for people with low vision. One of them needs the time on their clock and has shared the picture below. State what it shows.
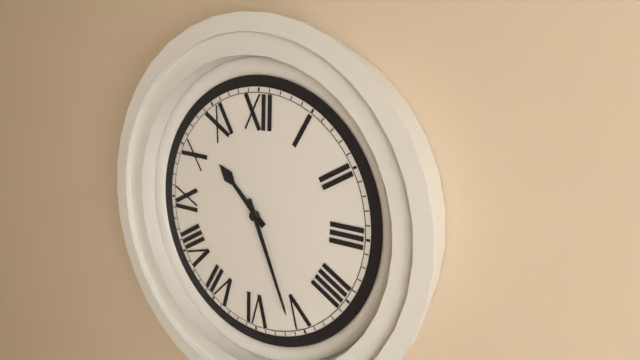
10:26
